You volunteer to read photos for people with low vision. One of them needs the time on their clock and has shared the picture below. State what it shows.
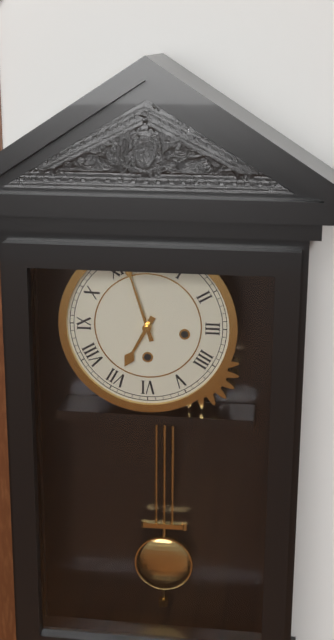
6:57
